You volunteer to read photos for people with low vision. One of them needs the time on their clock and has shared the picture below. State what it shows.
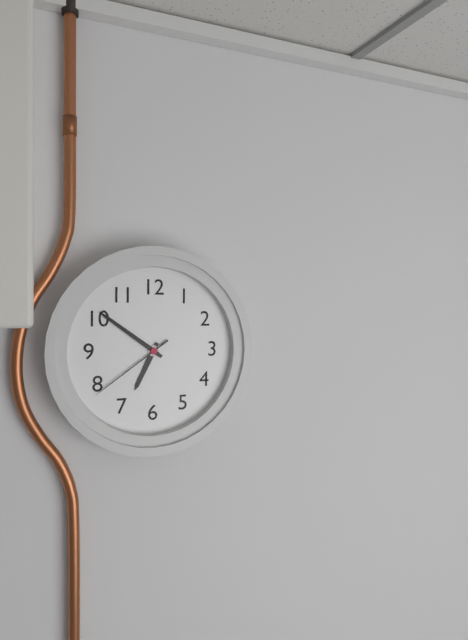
6:51:39
